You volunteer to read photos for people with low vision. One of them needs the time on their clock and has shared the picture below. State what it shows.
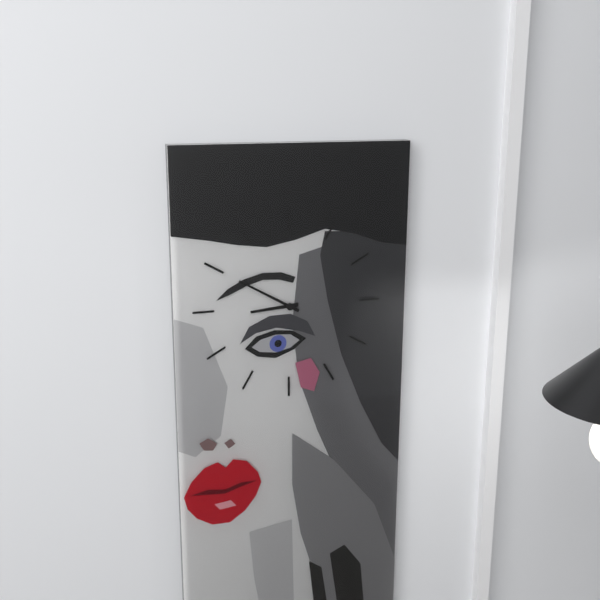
8:50
